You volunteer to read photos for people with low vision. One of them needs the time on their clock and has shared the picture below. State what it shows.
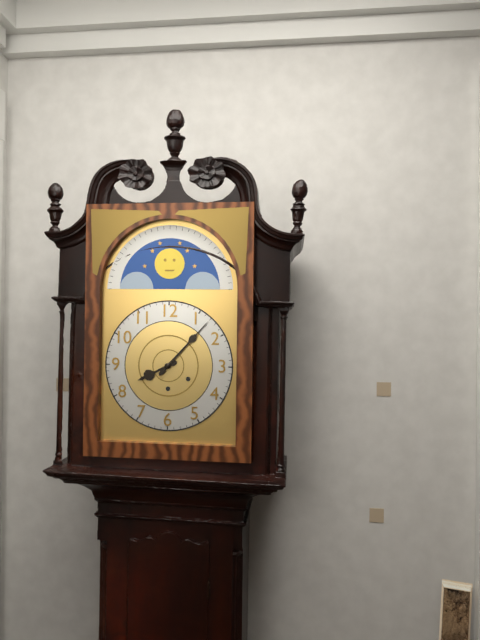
8:07
